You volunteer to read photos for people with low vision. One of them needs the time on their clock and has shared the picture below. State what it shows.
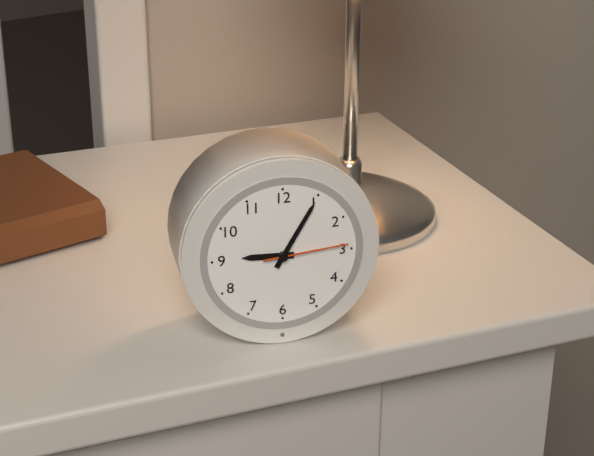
9:05:14
